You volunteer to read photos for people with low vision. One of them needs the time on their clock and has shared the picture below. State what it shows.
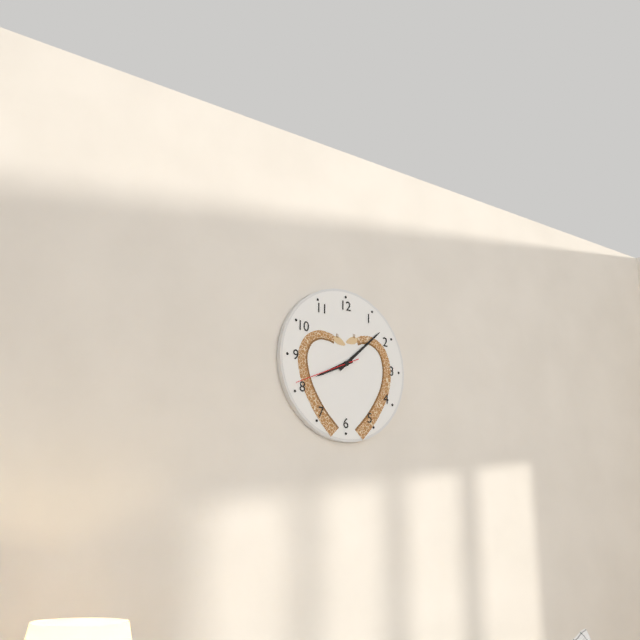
8:08:41
